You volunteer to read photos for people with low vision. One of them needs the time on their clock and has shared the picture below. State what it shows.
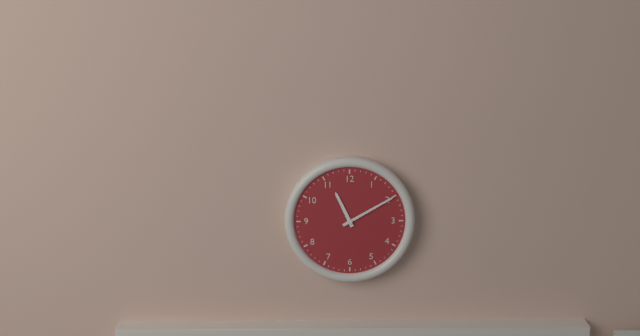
11:10
